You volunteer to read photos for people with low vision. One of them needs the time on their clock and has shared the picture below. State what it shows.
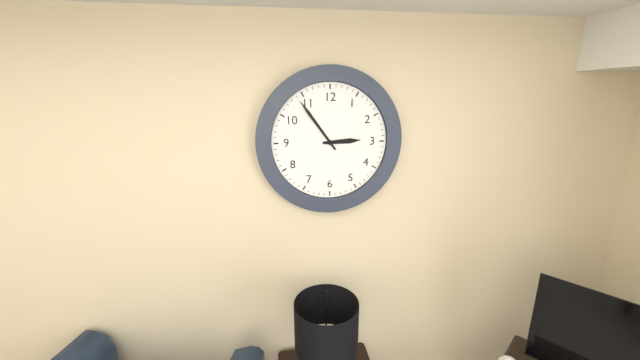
2:54
